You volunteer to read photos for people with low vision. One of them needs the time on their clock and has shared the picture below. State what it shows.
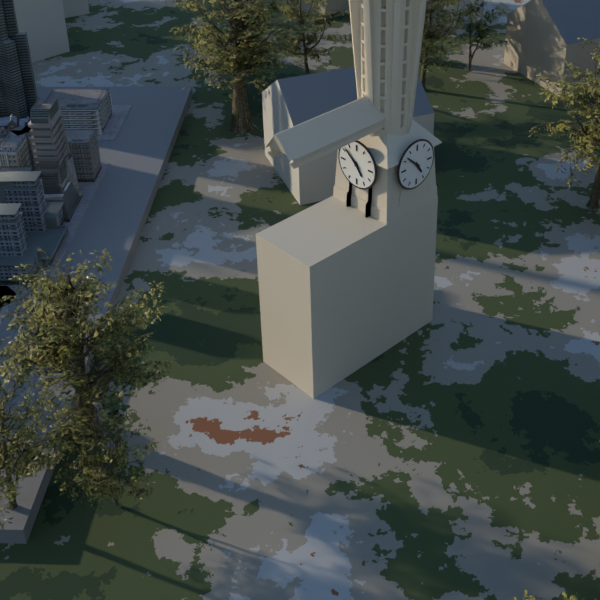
4:52
